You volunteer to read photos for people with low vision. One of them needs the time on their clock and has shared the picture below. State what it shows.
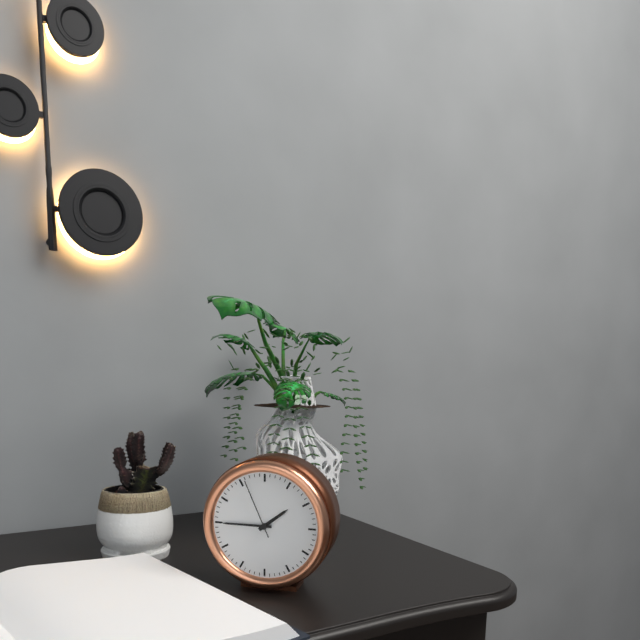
1:45:56
